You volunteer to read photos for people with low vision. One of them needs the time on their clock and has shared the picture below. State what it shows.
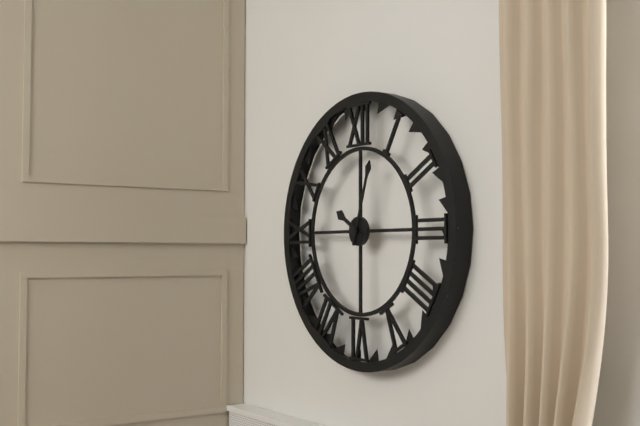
10:03
